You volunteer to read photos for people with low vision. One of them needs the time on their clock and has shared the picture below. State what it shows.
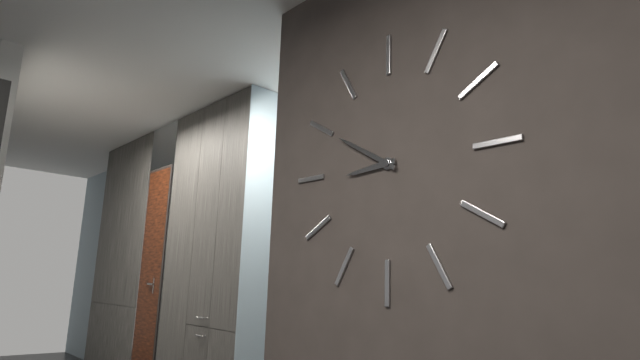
8:50
